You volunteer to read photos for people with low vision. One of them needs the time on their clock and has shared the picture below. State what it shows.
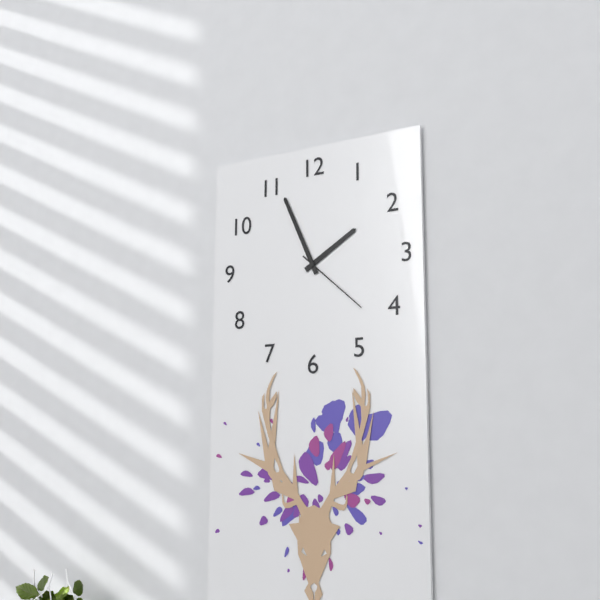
1:56:22
